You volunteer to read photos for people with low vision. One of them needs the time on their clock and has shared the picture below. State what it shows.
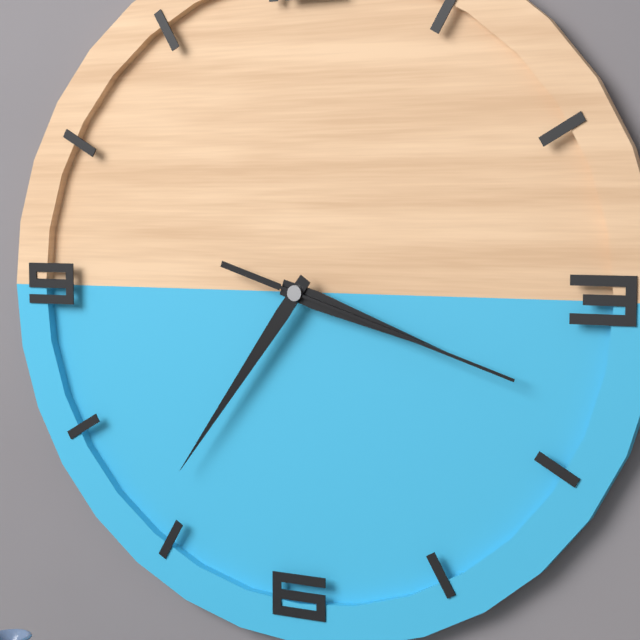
3:36:18
